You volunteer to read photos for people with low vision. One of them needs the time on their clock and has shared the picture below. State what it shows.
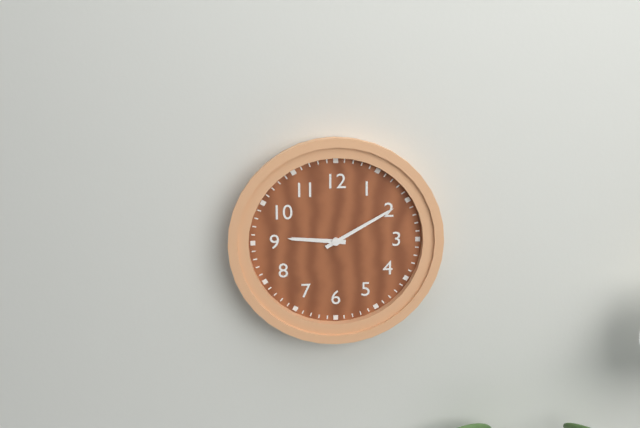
9:10
